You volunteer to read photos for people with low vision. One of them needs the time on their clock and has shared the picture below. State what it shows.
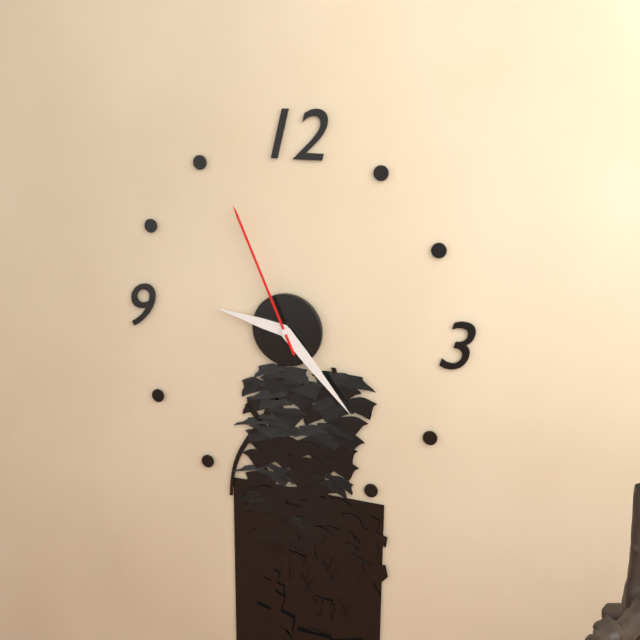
9:23:56
